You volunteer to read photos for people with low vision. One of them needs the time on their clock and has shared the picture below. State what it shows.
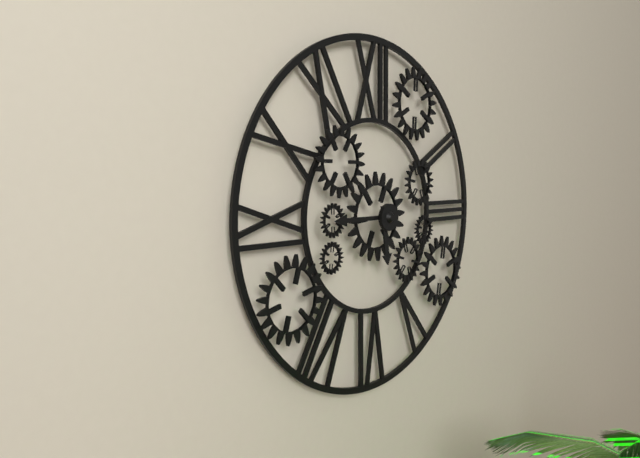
5:45
